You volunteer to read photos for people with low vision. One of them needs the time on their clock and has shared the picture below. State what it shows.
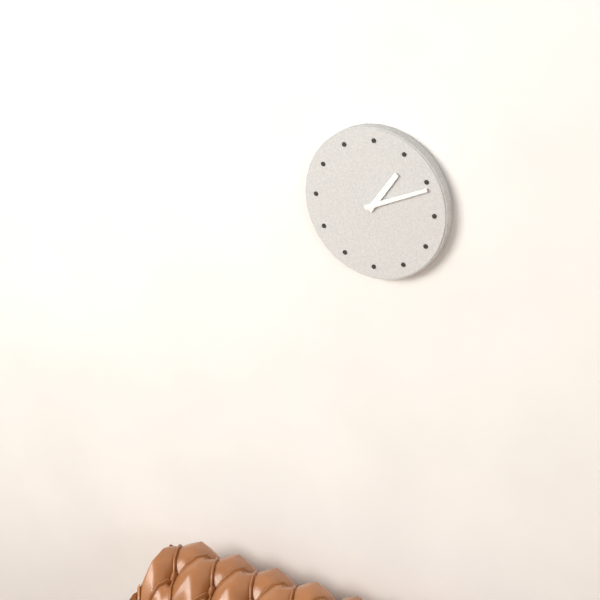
1:11
